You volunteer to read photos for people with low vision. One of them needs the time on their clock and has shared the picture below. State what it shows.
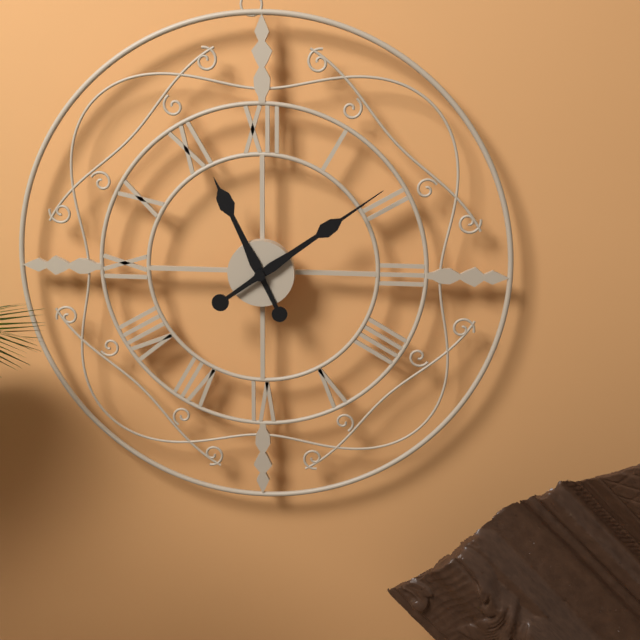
11:09
